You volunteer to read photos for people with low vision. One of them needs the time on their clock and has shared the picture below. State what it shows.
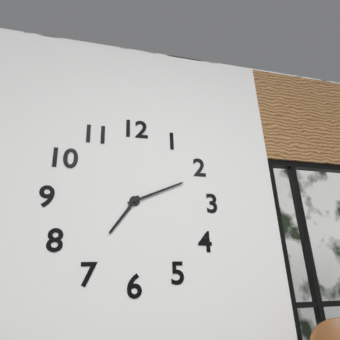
7:11
